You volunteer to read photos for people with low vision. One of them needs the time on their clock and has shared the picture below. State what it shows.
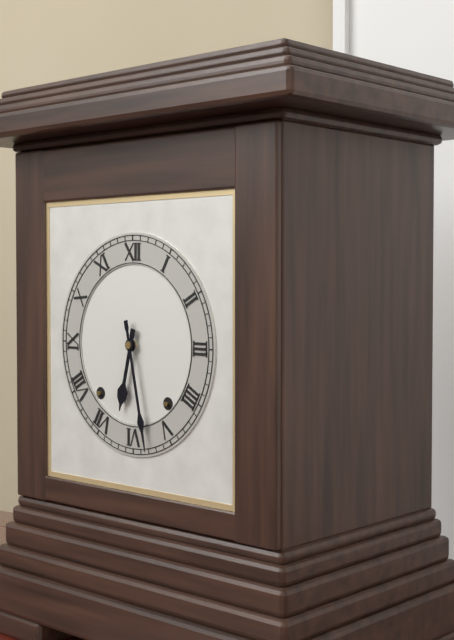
6:28
